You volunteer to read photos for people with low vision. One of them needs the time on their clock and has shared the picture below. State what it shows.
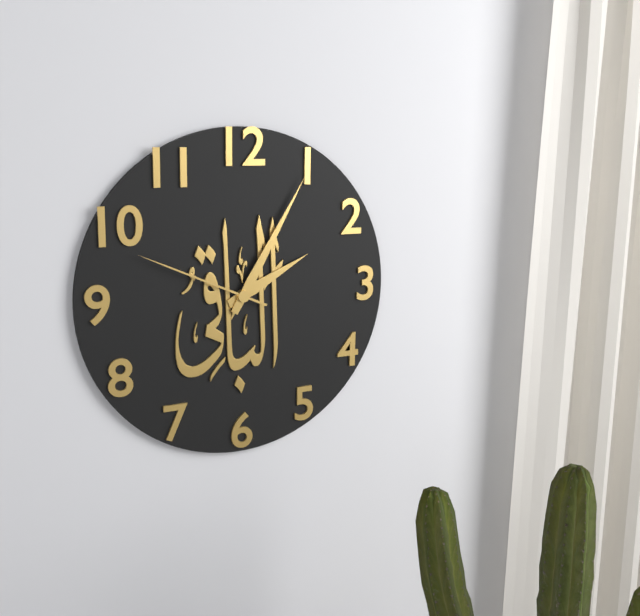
2:05:49
